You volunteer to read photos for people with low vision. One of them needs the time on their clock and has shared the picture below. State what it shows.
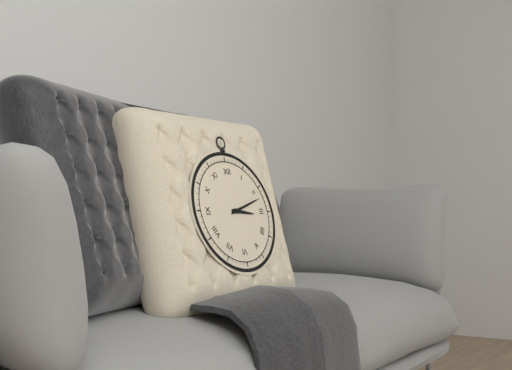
3:12
